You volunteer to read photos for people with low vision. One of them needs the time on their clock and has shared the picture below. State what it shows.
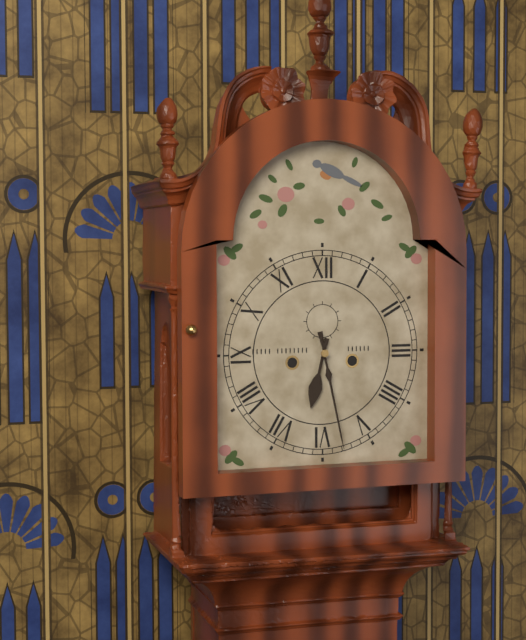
6:28
